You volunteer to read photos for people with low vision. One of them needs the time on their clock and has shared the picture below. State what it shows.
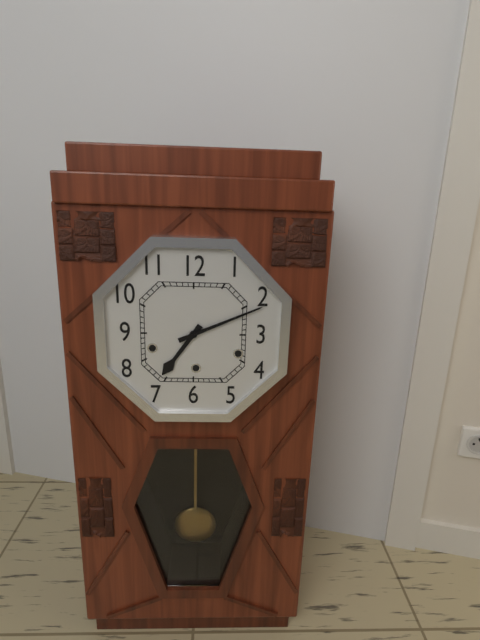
7:11
